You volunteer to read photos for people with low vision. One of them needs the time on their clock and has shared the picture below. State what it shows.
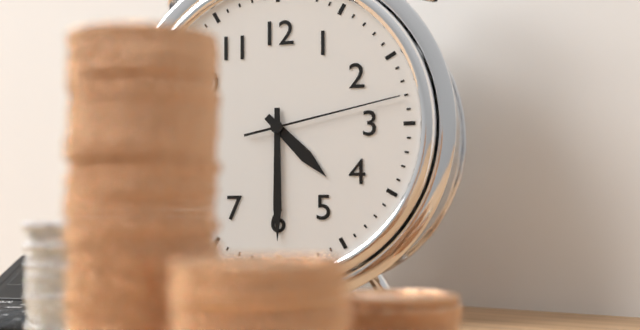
4:30:13
